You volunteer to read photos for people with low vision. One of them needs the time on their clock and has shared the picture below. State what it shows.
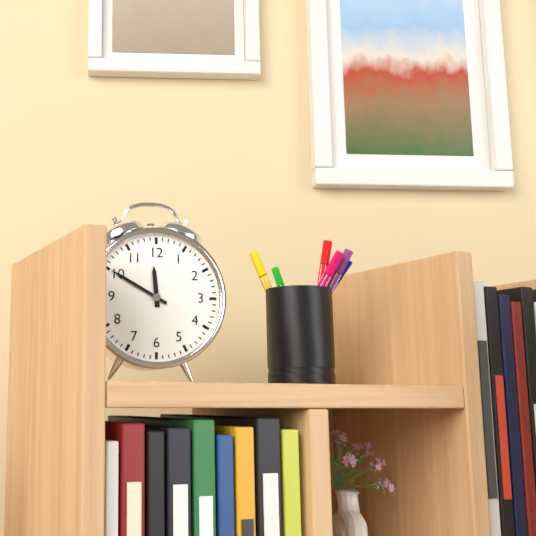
11:50
